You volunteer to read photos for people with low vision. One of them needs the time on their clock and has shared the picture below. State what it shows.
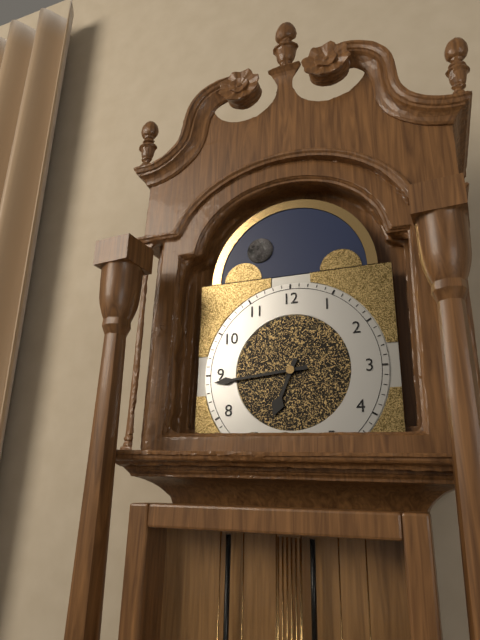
6:44
